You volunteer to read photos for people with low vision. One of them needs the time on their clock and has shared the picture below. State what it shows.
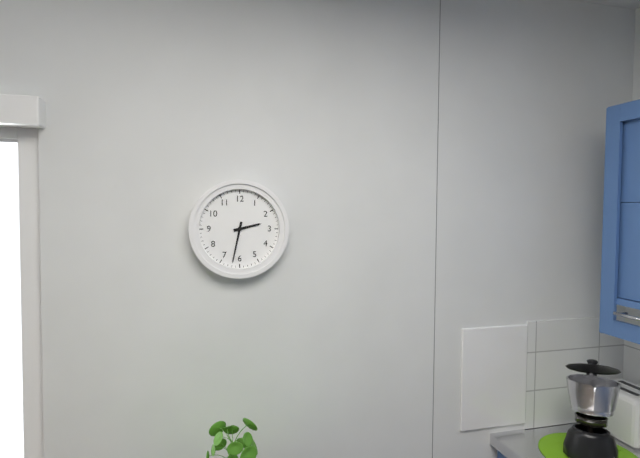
2:32
